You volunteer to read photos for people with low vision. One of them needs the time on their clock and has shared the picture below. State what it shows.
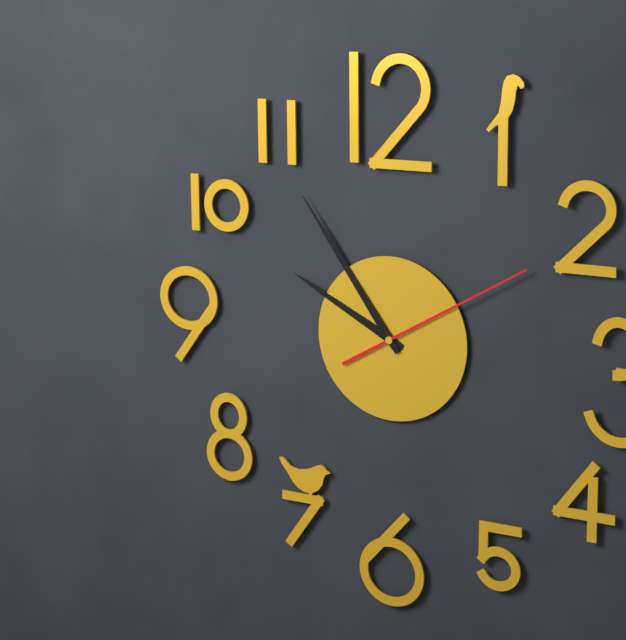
9:54:10
